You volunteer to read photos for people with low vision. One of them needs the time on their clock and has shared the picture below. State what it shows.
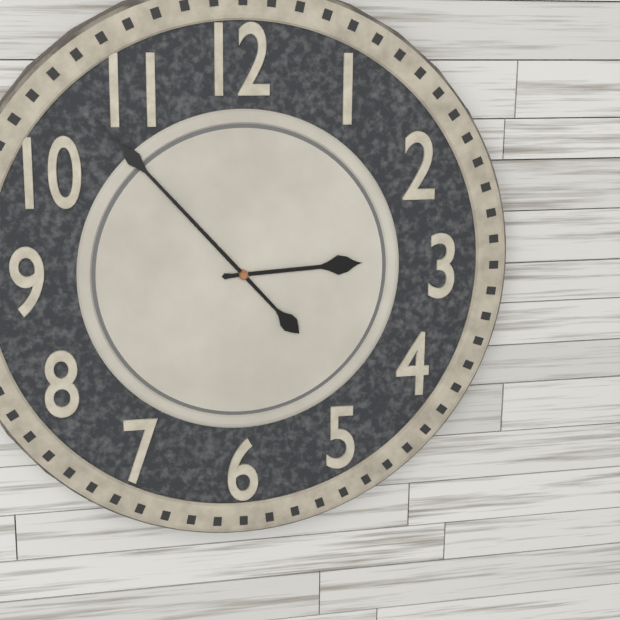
2:53
